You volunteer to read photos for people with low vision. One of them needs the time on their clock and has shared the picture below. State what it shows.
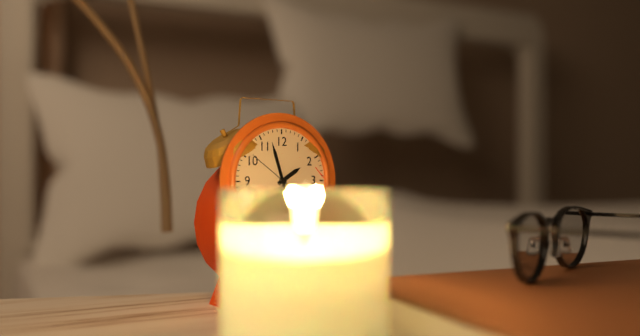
1:57
